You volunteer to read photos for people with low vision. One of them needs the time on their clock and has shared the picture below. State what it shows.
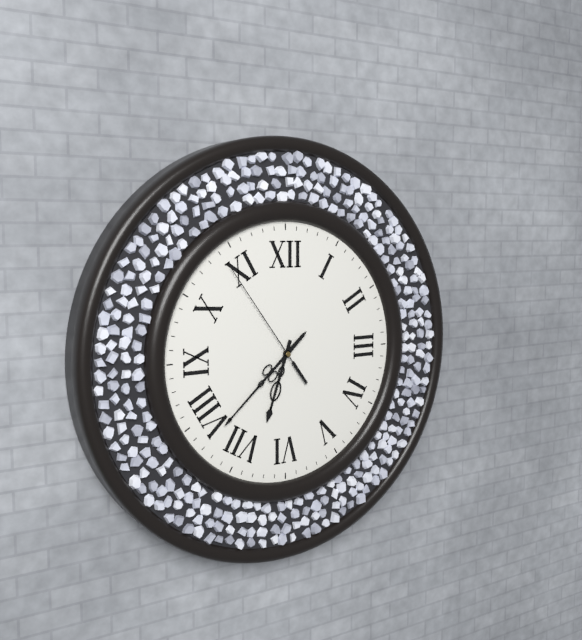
6:38:54
